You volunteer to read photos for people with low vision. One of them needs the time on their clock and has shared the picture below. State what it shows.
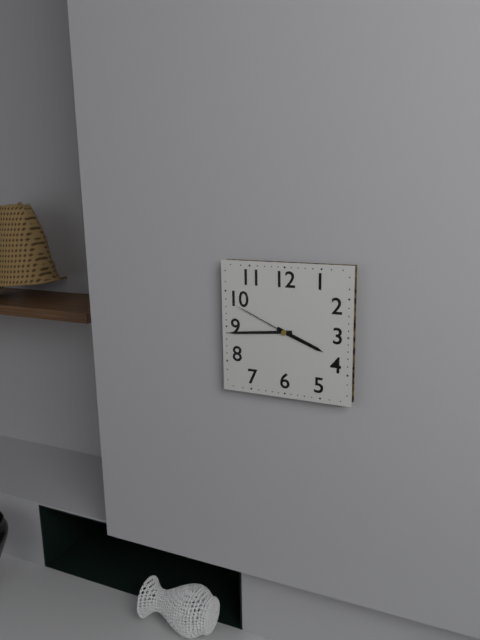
3:44:49
